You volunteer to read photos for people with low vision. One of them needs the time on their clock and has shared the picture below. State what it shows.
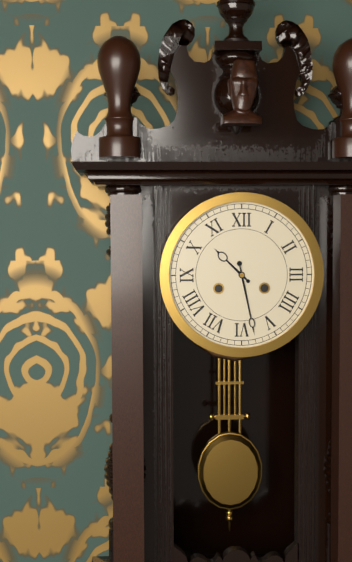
10:28
